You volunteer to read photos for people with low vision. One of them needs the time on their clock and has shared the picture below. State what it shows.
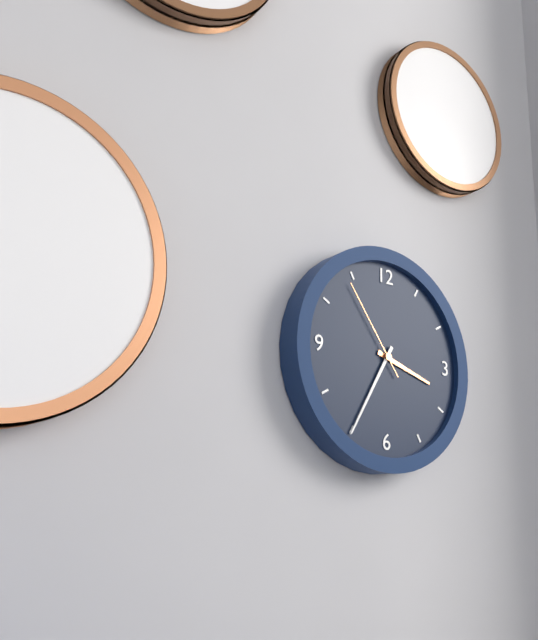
3:35:54
